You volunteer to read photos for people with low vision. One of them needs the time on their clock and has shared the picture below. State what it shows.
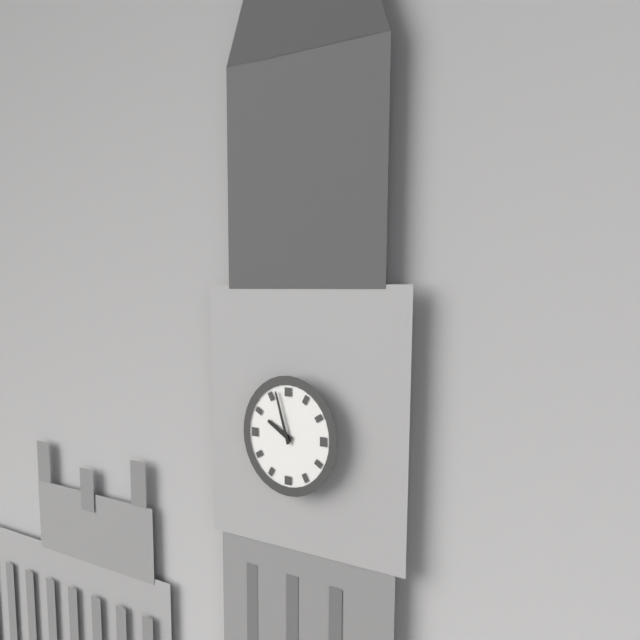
9:57
